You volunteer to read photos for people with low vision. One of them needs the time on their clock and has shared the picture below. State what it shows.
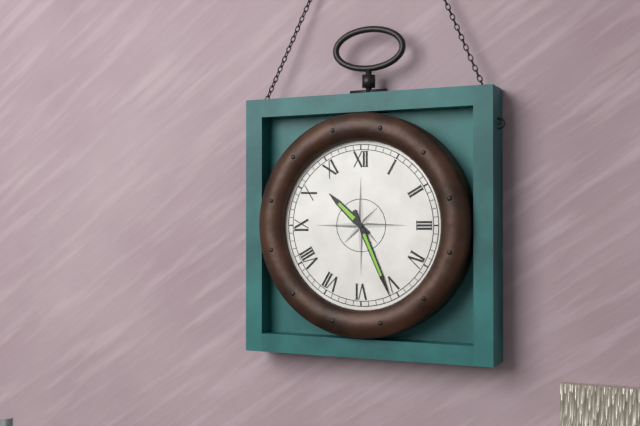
10:26
